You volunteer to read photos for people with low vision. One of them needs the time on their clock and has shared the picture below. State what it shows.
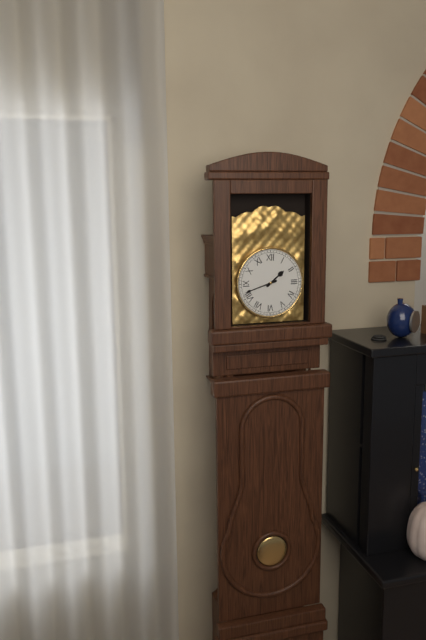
1:42
